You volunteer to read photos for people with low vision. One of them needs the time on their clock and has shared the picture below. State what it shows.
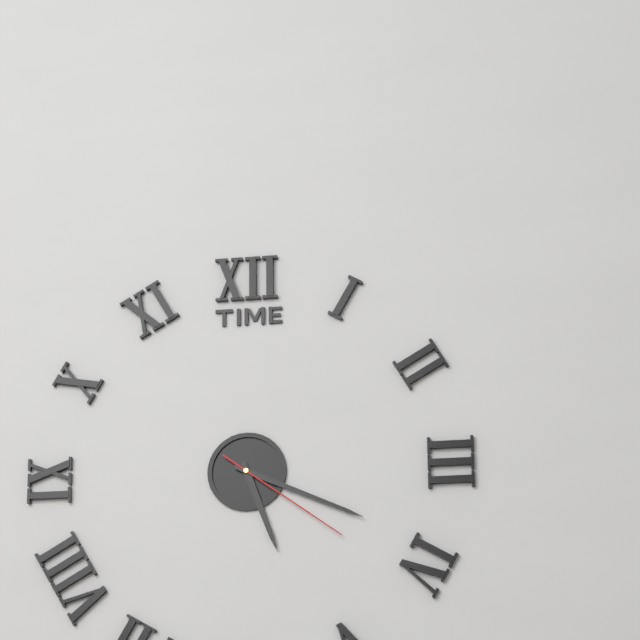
5:19:21
